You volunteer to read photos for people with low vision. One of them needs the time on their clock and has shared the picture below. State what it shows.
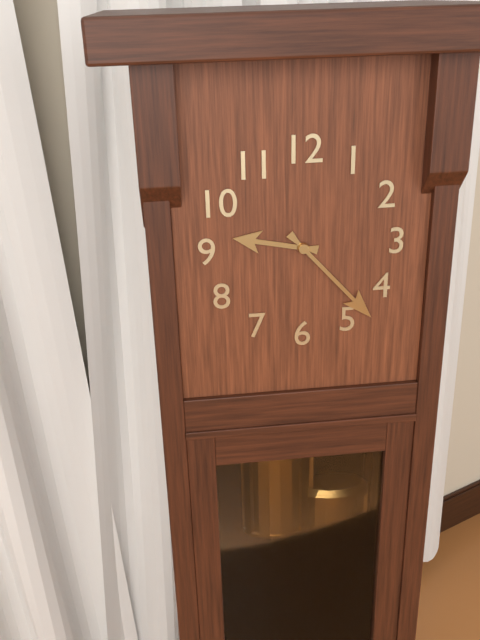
9:23
